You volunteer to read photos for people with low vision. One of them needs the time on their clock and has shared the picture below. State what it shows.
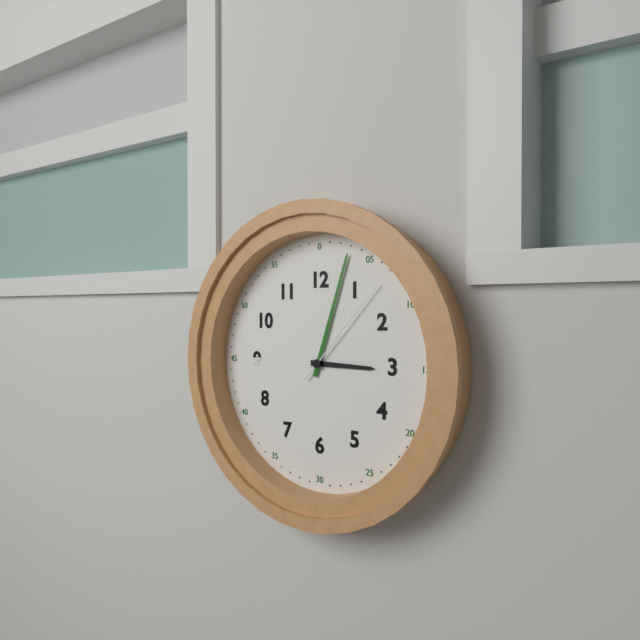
3:03:07
